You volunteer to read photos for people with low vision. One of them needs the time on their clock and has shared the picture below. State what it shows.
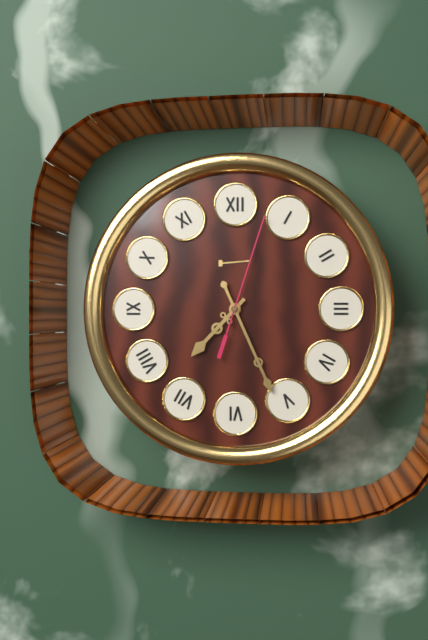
7:26:03
